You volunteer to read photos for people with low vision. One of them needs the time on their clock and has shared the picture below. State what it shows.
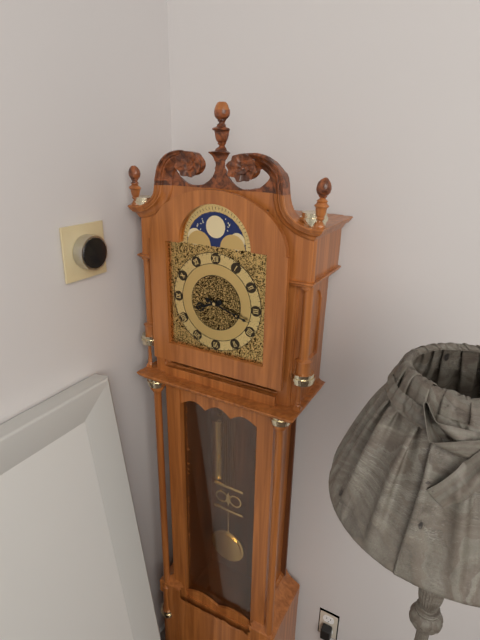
8:18
